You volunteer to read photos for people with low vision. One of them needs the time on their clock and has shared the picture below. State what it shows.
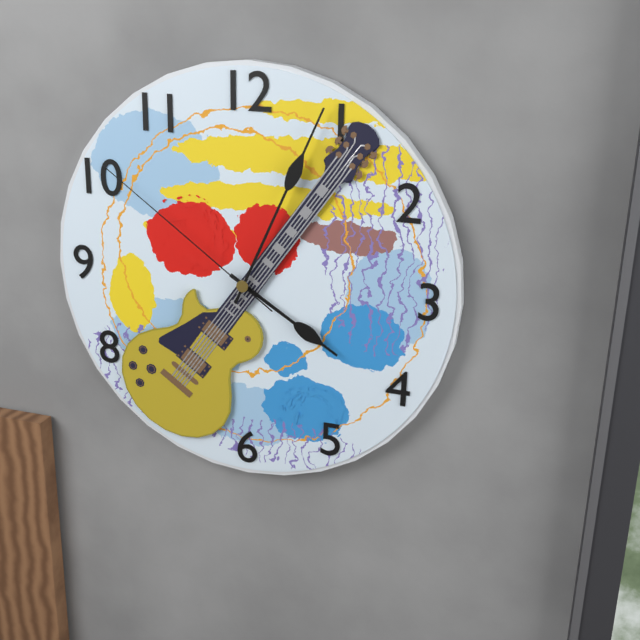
4:04:51
